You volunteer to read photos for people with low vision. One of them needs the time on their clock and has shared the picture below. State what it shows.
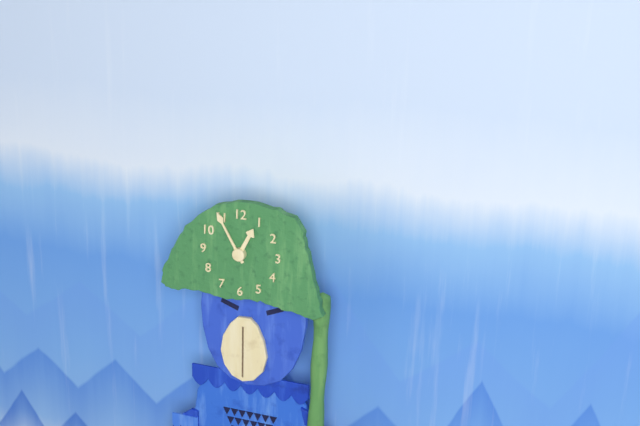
12:55
